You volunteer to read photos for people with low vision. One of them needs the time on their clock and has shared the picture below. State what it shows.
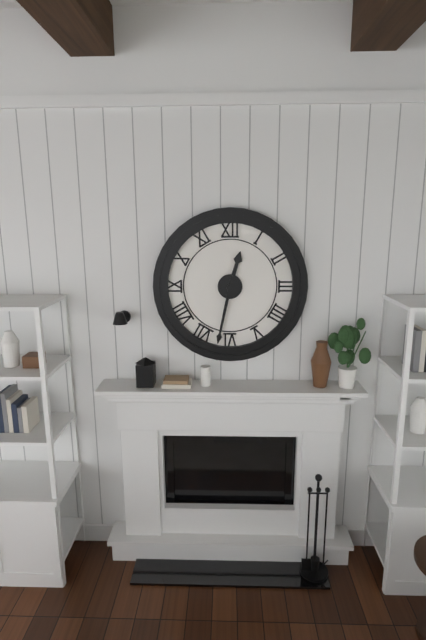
12:32
